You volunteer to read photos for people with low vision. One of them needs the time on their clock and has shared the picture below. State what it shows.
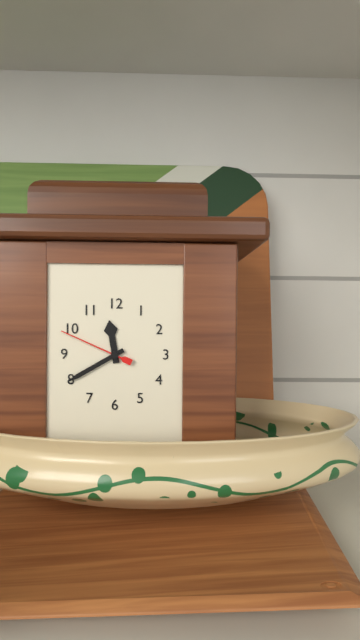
11:40:49
